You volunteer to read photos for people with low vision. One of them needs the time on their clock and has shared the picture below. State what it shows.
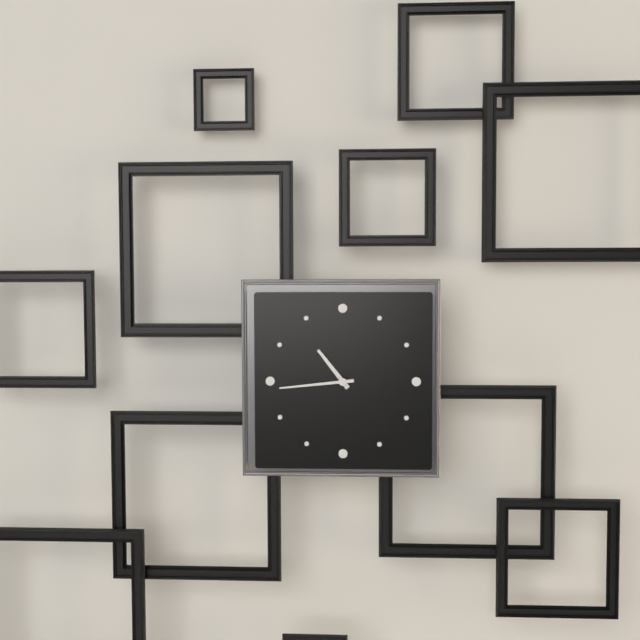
10:44
